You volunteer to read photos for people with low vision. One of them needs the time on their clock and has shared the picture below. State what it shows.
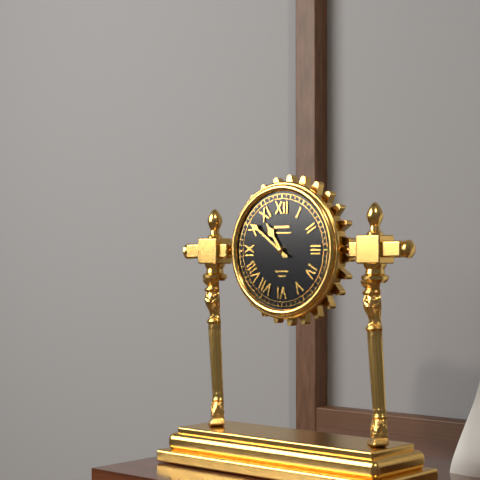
10:51
